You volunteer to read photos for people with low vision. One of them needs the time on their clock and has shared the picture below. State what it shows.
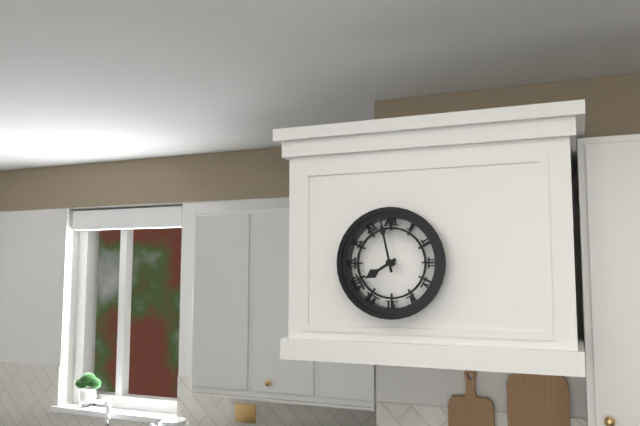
7:58
